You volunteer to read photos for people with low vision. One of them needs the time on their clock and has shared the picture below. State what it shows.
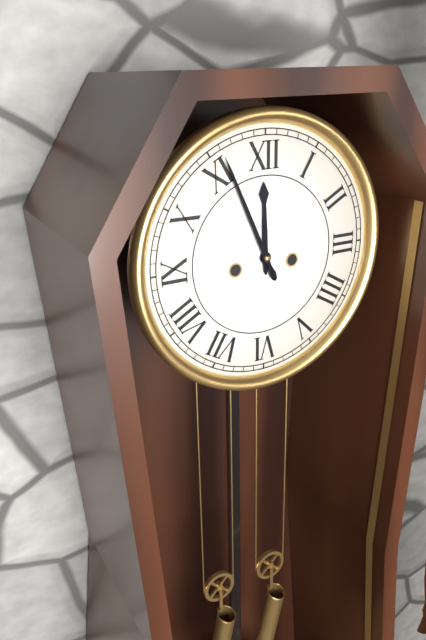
11:56
